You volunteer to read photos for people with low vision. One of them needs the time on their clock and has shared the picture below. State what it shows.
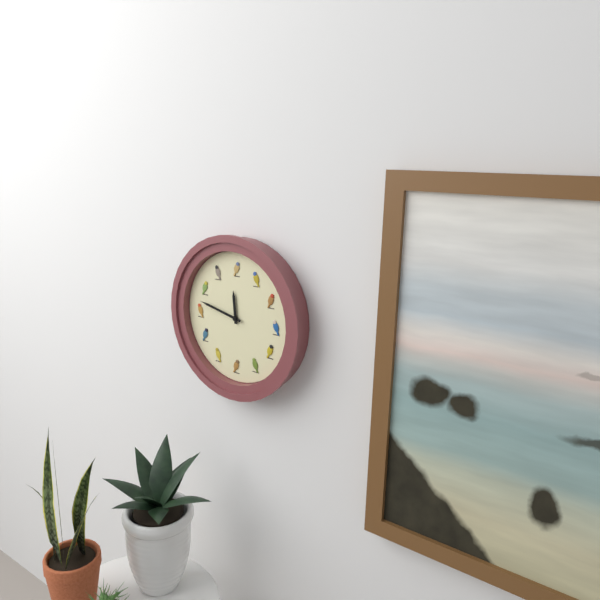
11:47
